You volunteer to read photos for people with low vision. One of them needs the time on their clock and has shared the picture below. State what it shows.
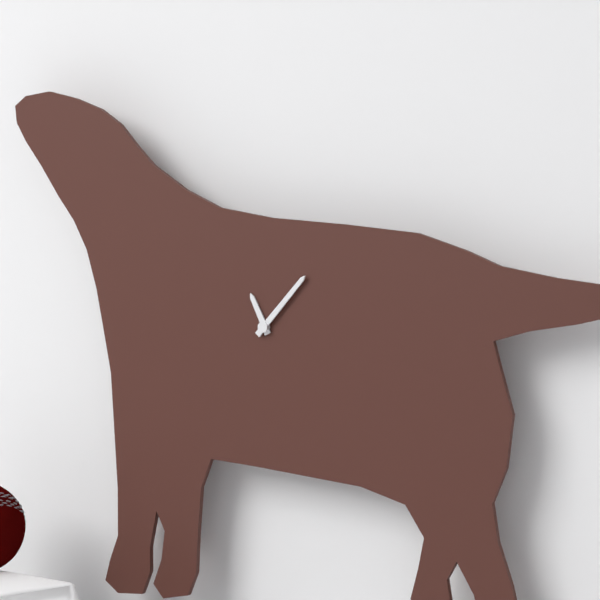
11:07
